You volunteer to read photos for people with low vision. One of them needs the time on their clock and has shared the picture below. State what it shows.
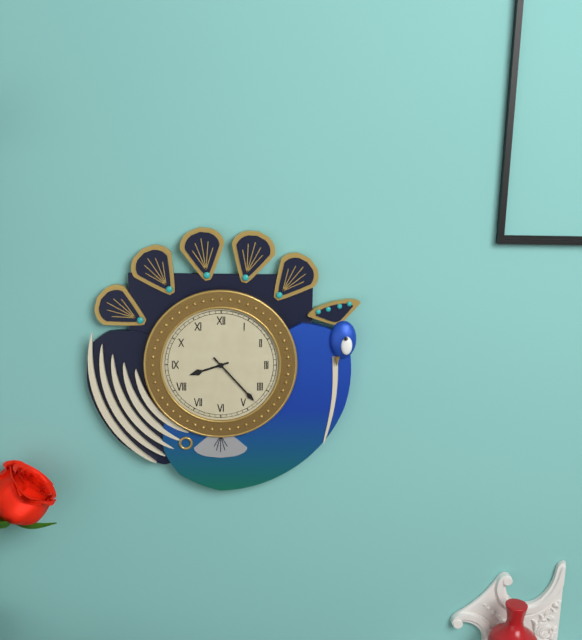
8:23
